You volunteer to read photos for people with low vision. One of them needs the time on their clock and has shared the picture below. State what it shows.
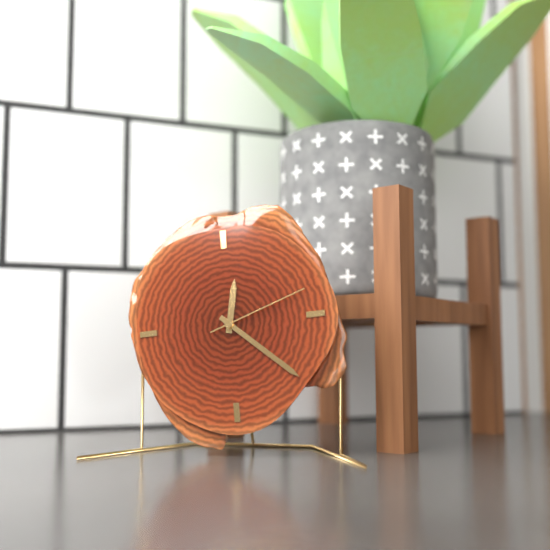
12:22:12
